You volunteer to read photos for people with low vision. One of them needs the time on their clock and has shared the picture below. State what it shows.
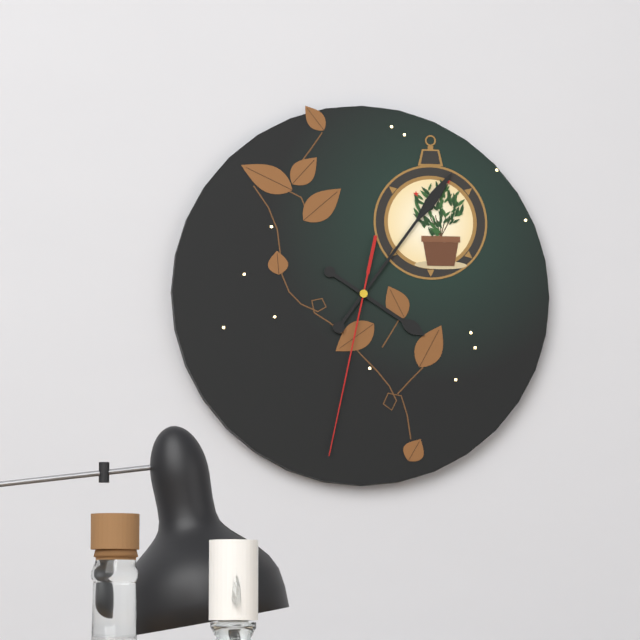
4:06:32
